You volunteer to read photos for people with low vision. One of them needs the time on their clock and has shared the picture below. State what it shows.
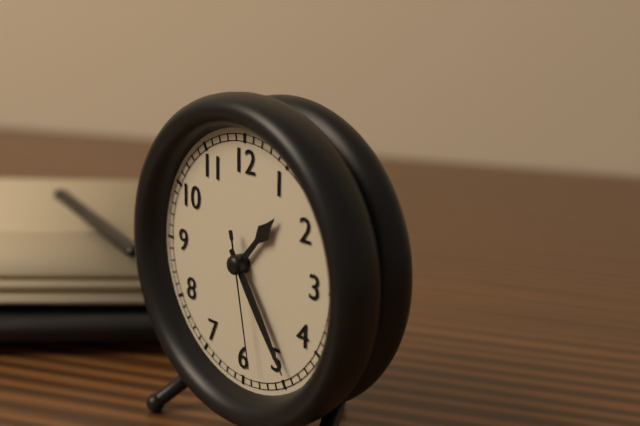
1:24:28
